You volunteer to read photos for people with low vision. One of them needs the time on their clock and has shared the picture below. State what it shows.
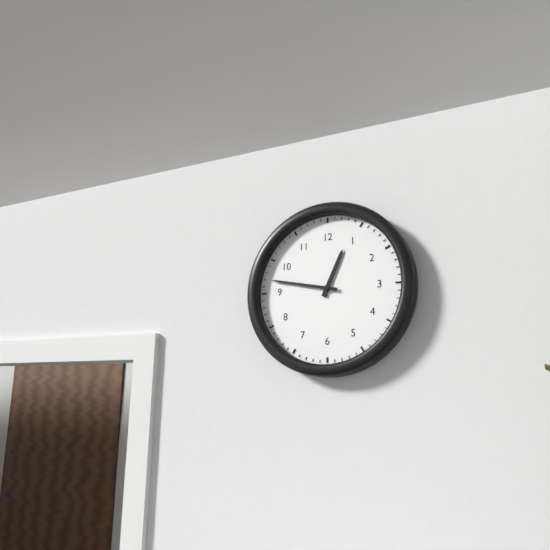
12:47
